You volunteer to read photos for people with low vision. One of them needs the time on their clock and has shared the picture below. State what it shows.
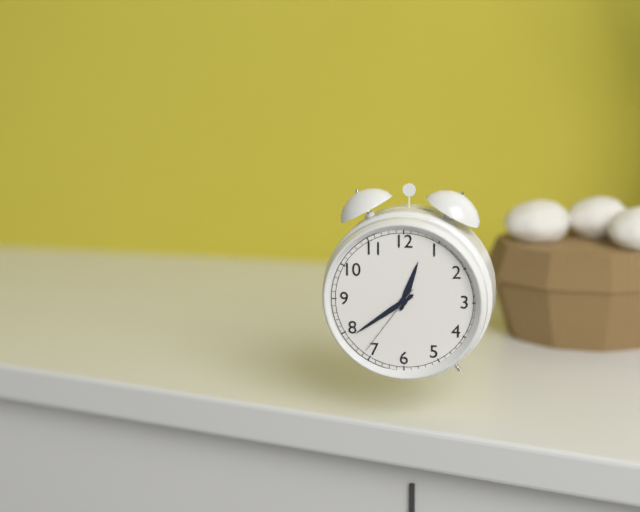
12:39:36
